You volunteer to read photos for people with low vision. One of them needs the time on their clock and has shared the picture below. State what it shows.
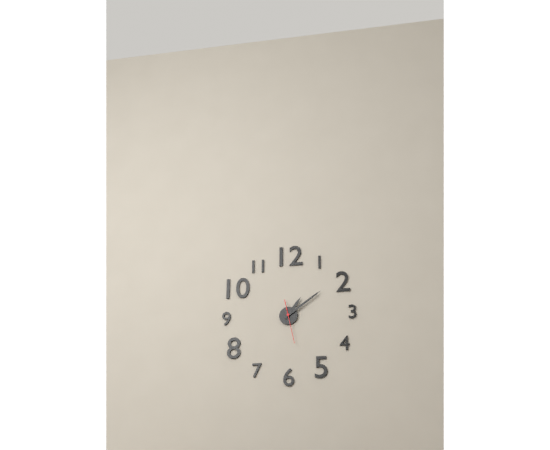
1:09
